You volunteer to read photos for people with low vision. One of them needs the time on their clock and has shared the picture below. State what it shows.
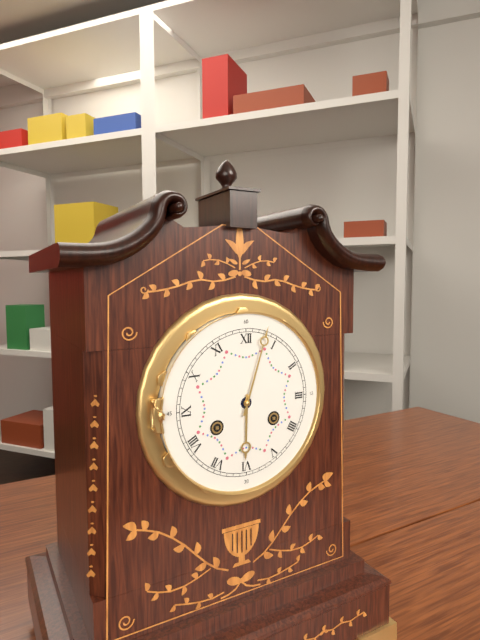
6:03
